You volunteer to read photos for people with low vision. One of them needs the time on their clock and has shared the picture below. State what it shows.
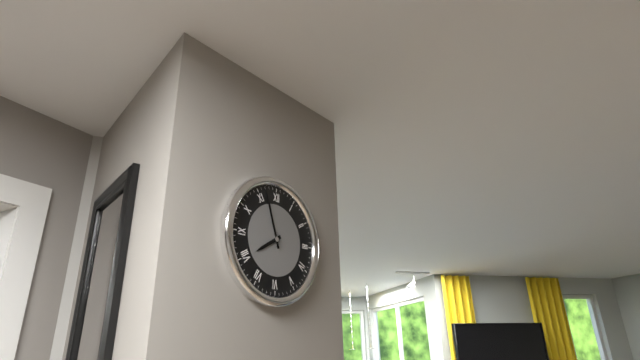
7:57
